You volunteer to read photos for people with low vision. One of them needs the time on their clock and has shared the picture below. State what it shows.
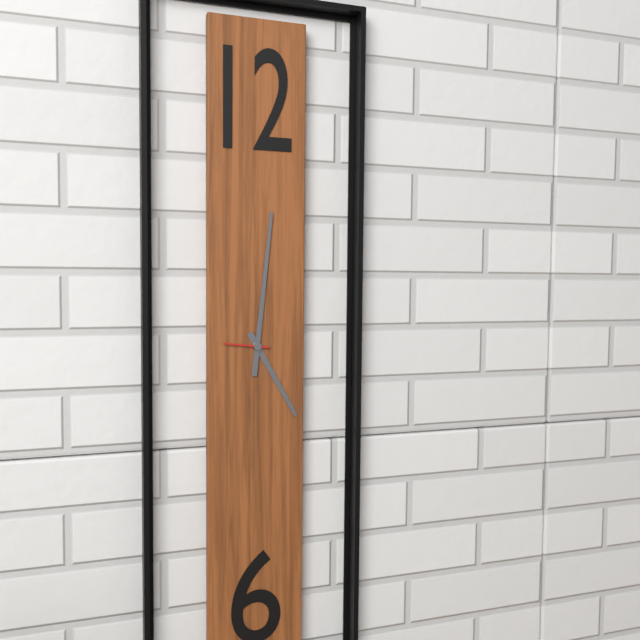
5:01
